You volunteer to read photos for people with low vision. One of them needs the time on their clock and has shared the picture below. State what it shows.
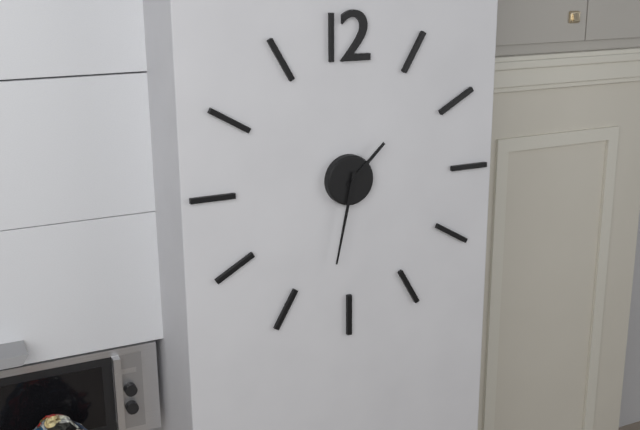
1:32
